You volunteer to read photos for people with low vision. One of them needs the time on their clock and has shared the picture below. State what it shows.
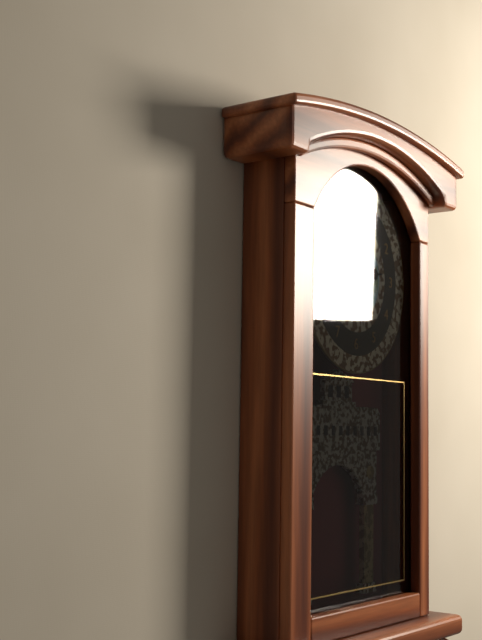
2:44
